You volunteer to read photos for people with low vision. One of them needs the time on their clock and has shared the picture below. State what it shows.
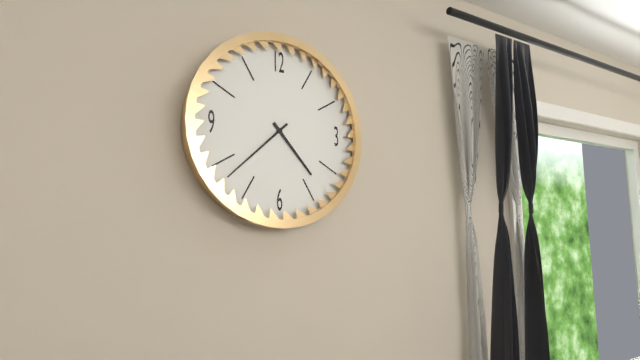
4:38
